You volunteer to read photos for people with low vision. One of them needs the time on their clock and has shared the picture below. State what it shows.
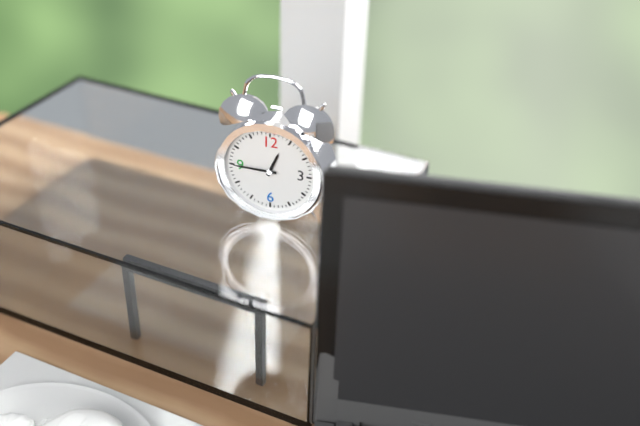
12:45
